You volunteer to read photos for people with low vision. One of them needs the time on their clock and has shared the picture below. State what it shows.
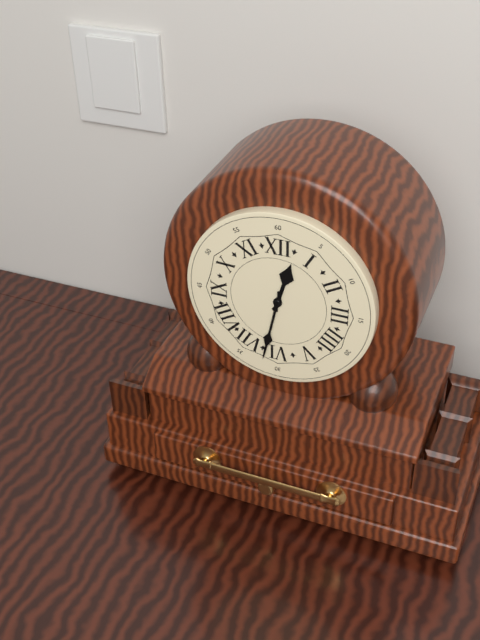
12:32
